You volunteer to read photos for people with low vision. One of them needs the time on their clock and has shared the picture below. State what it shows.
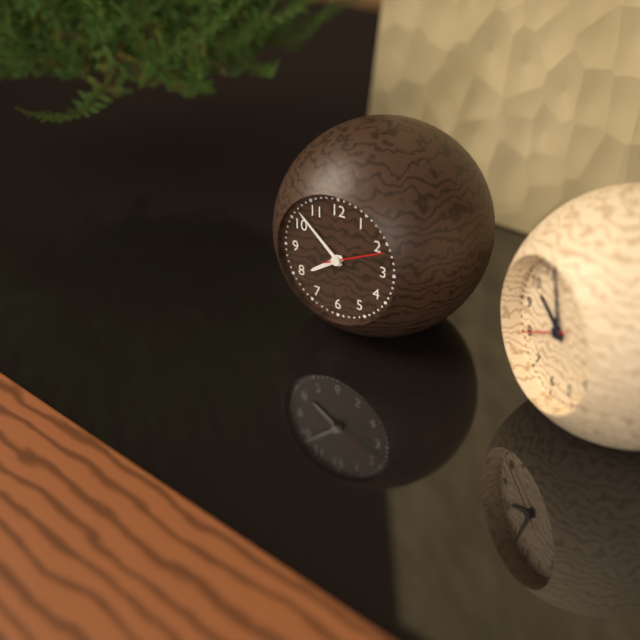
7:52:11
